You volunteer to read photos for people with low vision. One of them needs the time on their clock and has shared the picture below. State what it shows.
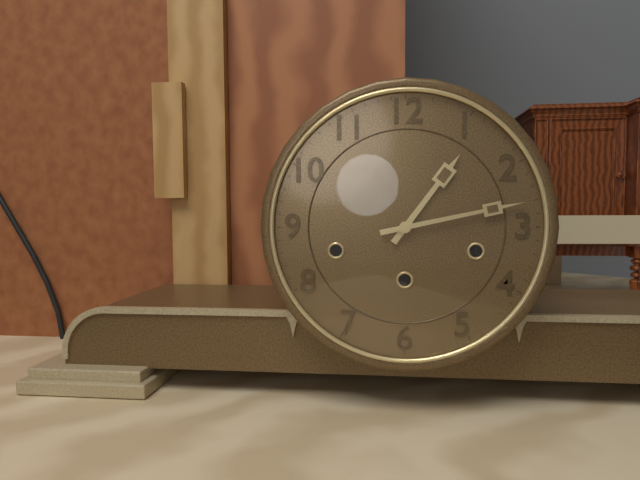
1:13
